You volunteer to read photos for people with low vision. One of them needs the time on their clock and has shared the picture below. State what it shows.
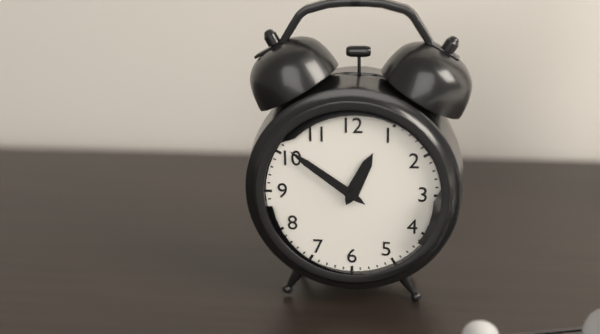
12:51
